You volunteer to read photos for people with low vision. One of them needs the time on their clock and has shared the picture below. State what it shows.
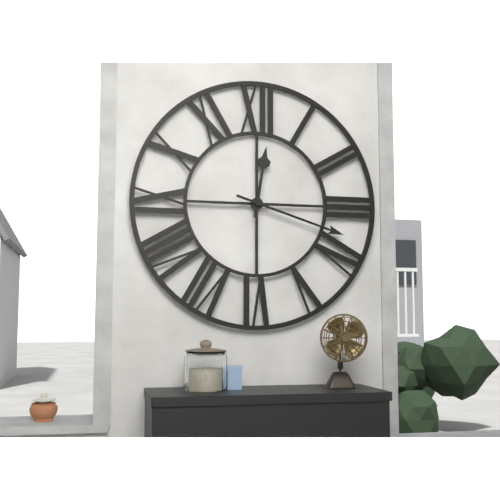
12:18
